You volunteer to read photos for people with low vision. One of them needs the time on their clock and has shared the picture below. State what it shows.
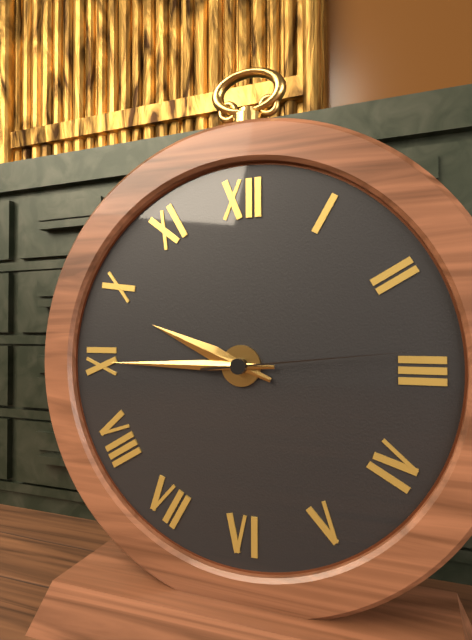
9:45:14
